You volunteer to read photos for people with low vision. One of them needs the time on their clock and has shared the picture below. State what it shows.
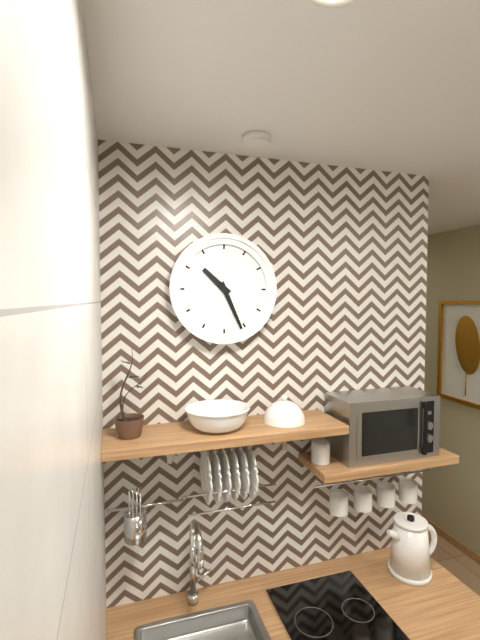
10:26
